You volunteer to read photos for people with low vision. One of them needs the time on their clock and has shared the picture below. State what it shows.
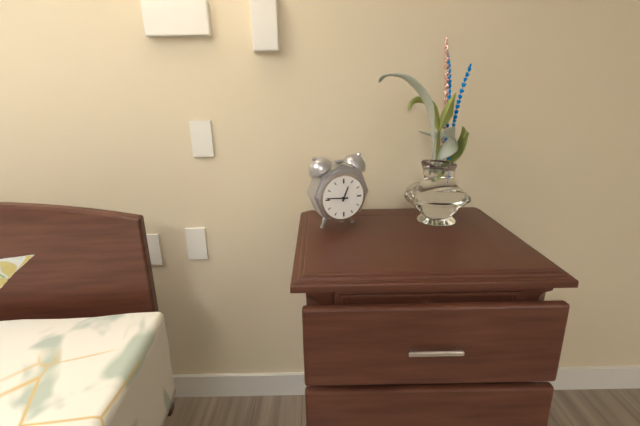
12:46
